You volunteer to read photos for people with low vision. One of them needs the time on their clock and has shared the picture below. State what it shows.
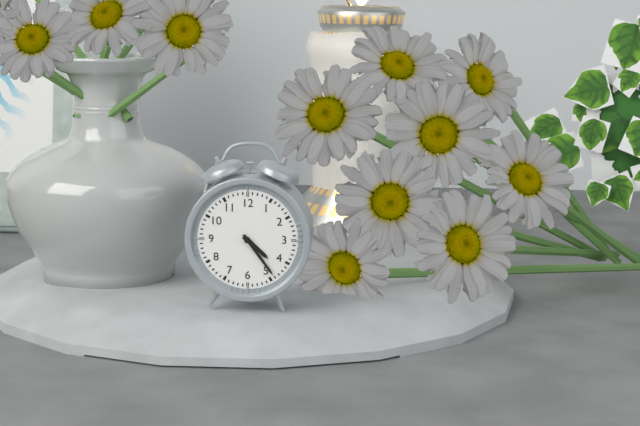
4:24
